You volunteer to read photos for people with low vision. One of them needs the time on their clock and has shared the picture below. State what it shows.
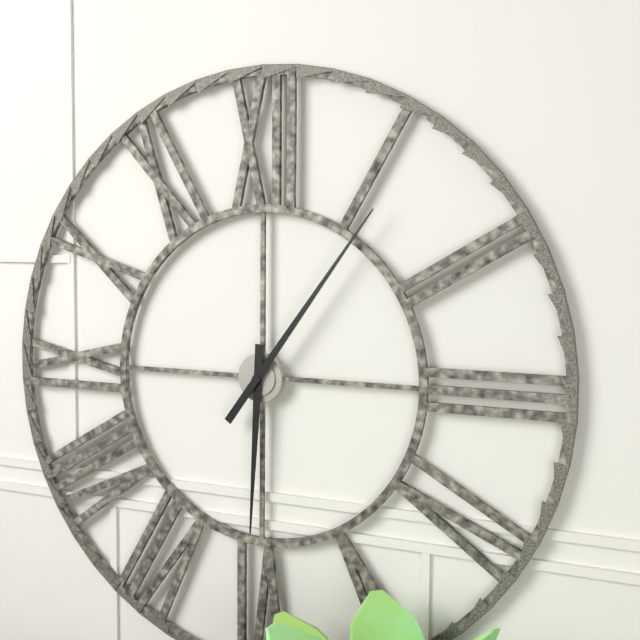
6:06
